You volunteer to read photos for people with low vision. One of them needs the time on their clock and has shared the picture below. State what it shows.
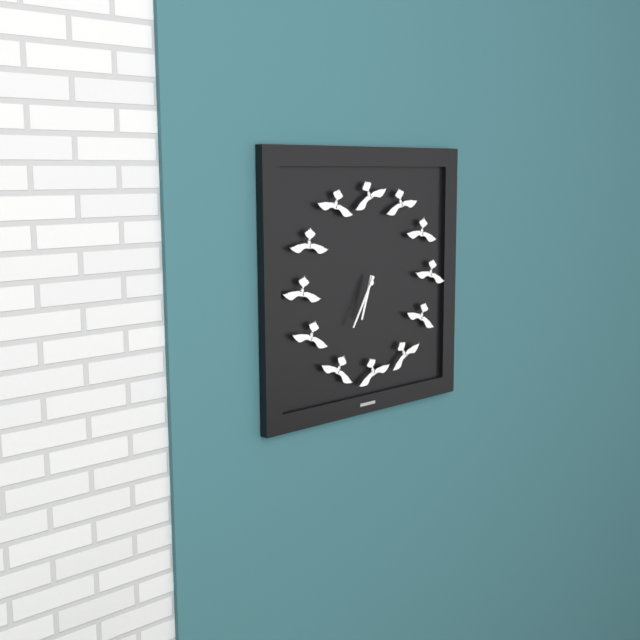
6:35
